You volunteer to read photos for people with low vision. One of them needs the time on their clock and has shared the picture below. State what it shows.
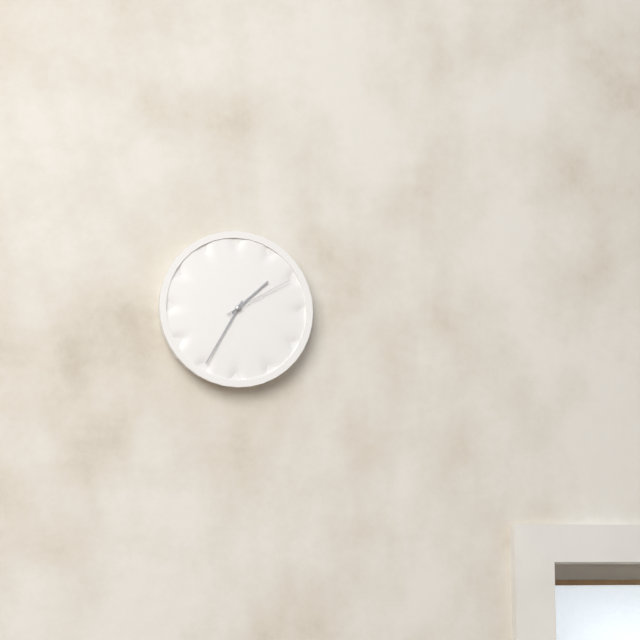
1:35:10
